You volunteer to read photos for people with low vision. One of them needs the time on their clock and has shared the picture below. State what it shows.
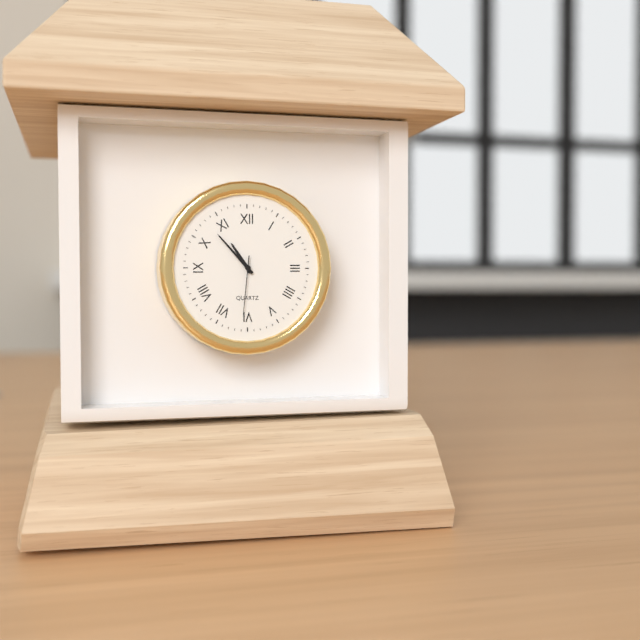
10:53:31
